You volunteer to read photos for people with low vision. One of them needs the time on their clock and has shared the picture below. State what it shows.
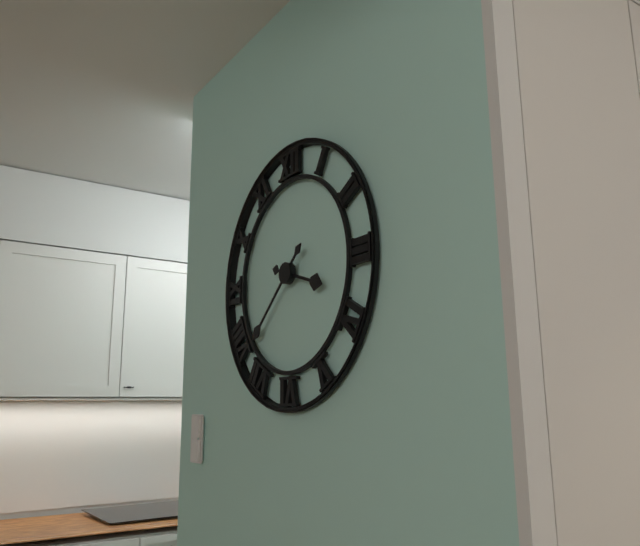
3:38
